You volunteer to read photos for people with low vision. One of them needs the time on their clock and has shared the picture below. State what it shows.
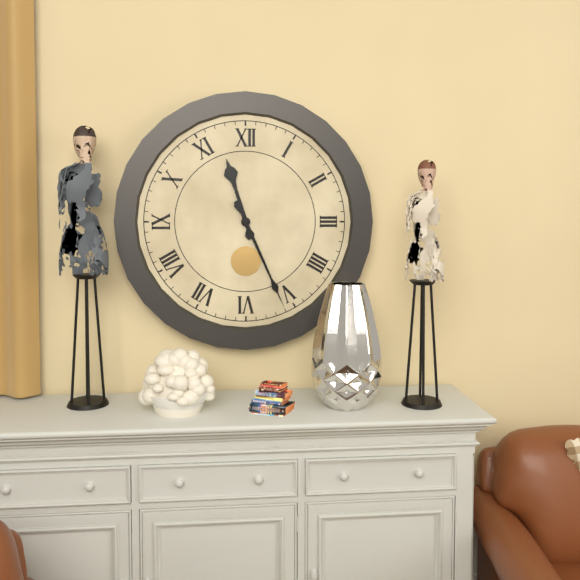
11:26
